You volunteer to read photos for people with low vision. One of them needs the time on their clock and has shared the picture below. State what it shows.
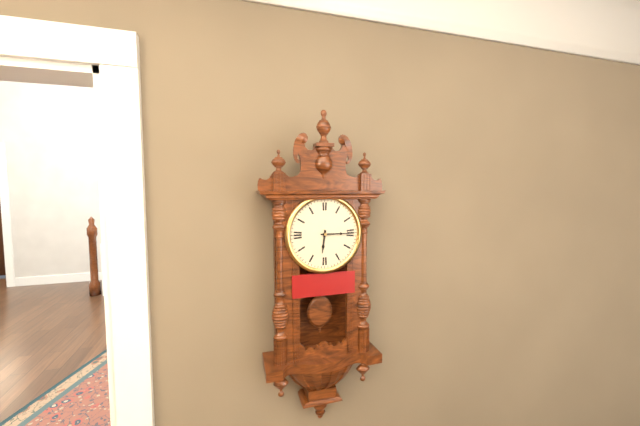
6:15
